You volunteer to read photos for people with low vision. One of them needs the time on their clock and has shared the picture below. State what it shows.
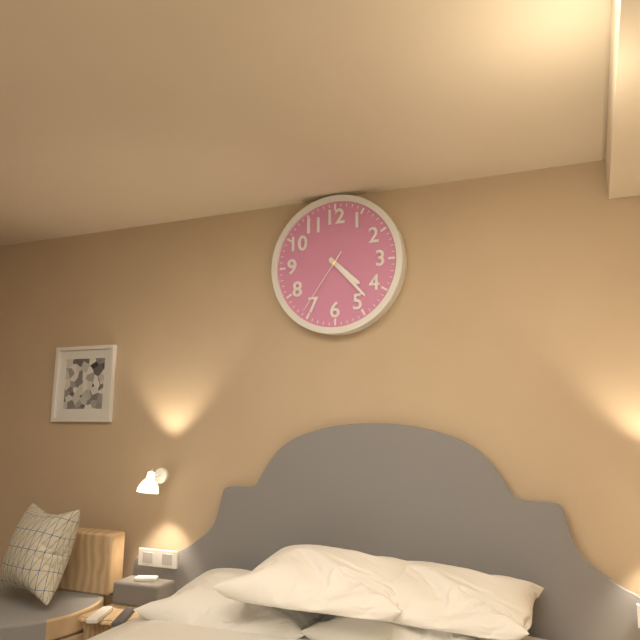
4:23:36
